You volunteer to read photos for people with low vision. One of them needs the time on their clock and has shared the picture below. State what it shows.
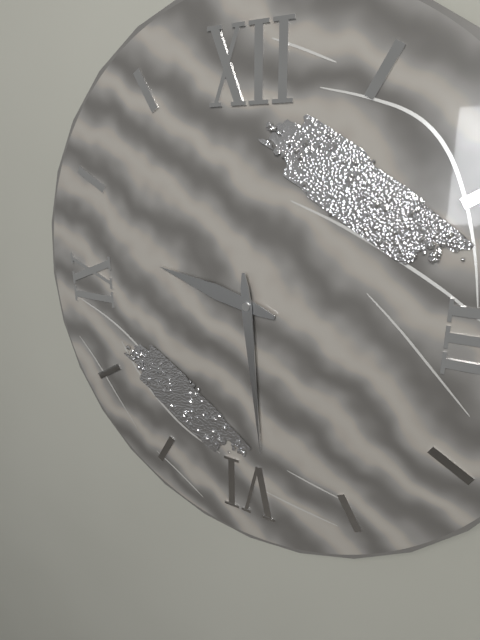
9:29
